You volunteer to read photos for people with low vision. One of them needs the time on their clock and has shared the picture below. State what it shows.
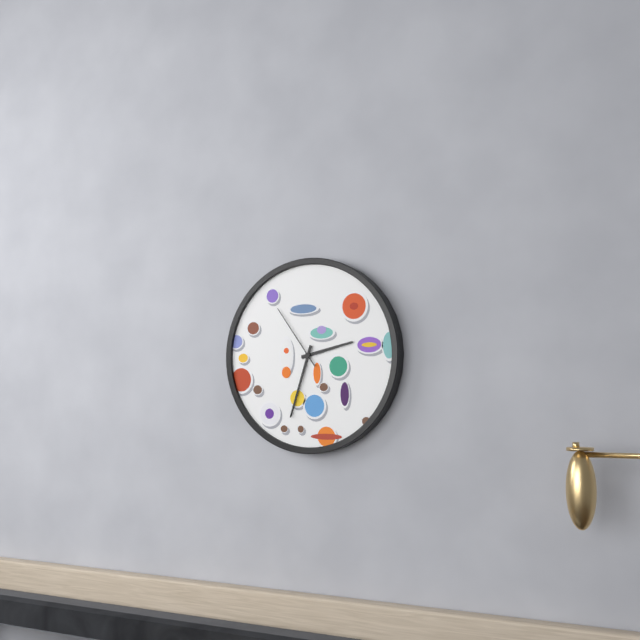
2:33:54
